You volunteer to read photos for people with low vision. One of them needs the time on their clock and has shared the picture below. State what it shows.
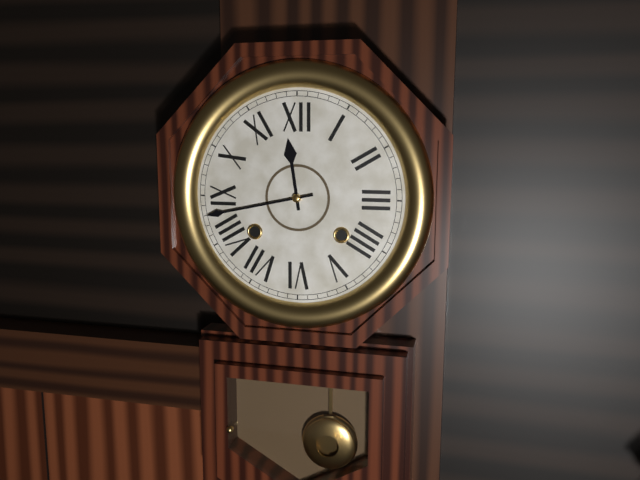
11:43
